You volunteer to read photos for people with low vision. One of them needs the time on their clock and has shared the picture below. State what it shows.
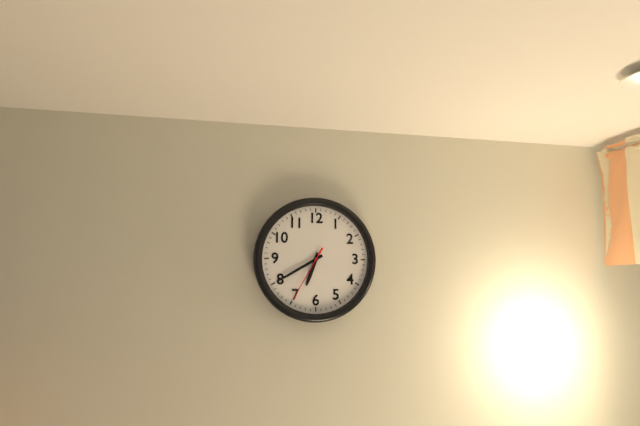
6:40:35
